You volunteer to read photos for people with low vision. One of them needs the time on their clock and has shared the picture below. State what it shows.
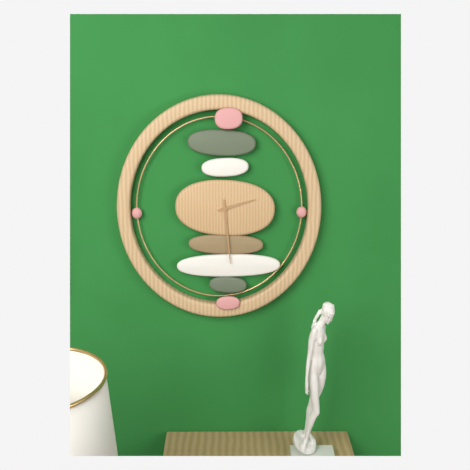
2:29
